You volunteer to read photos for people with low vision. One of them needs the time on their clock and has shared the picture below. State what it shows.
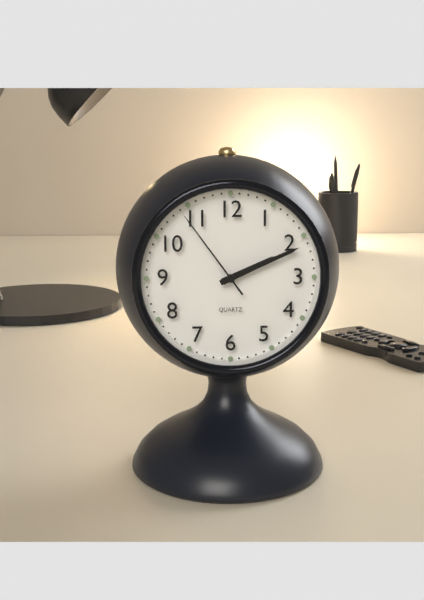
2:11:54
